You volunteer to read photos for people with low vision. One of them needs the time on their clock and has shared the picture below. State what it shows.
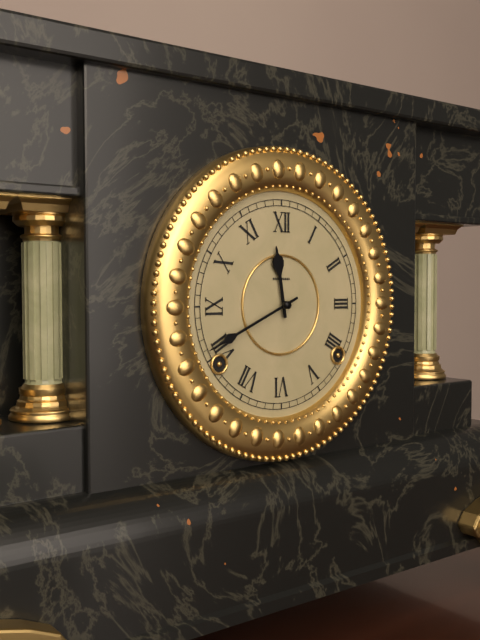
11:41
